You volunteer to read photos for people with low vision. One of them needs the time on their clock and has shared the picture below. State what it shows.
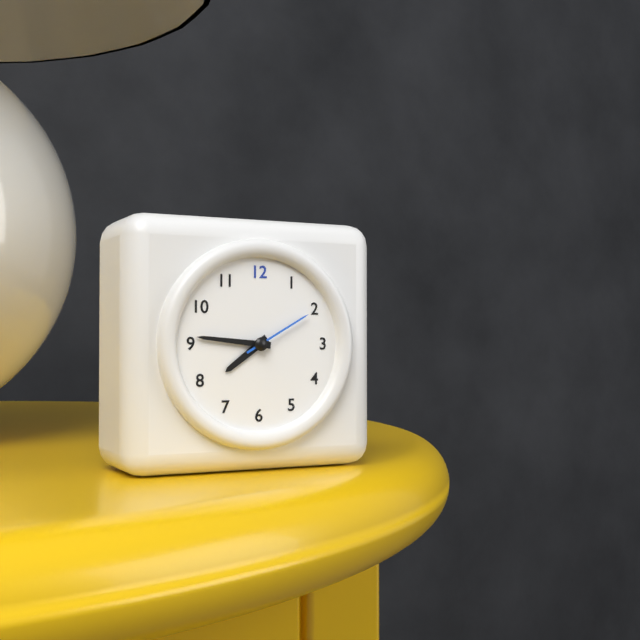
7:46:10
